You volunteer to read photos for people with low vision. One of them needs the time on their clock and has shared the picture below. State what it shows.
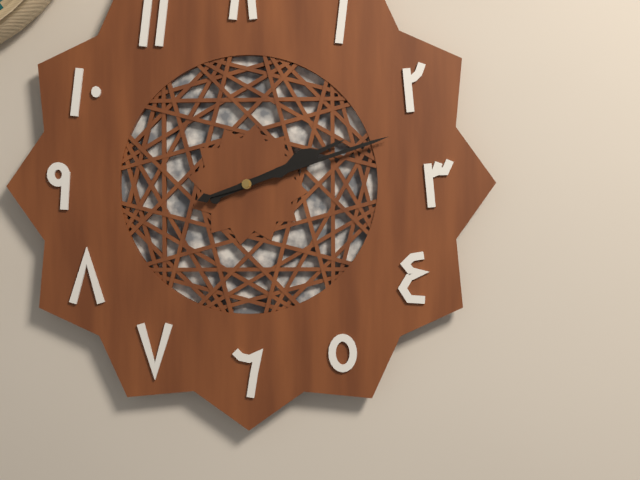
2:12
